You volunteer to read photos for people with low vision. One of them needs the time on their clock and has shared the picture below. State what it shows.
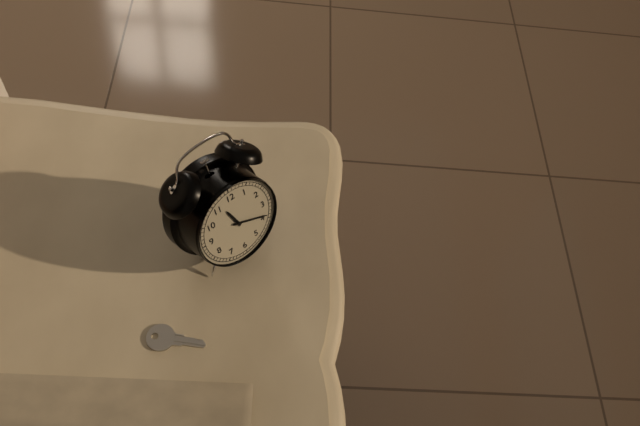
11:19
